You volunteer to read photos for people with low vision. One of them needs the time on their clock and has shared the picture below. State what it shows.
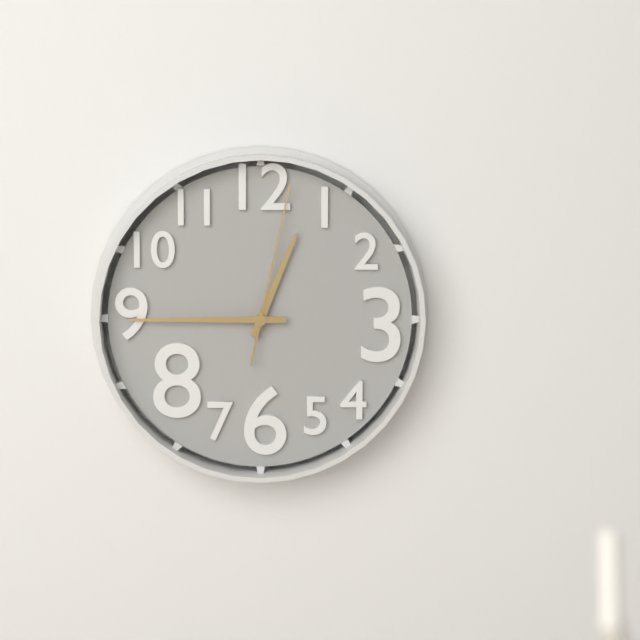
12:45:02
